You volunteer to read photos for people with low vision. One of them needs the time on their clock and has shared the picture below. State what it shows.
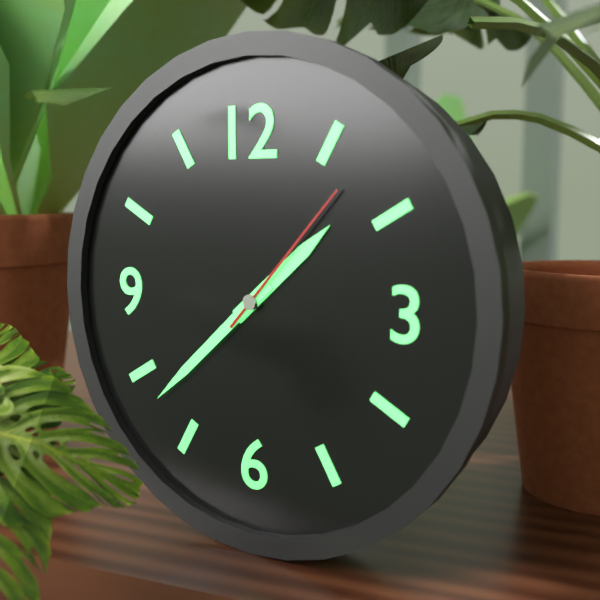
1:38:07
